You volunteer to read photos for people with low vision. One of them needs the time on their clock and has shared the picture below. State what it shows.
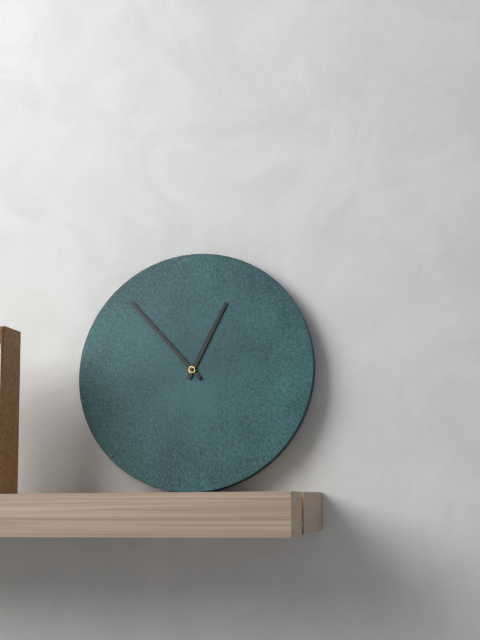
12:53
